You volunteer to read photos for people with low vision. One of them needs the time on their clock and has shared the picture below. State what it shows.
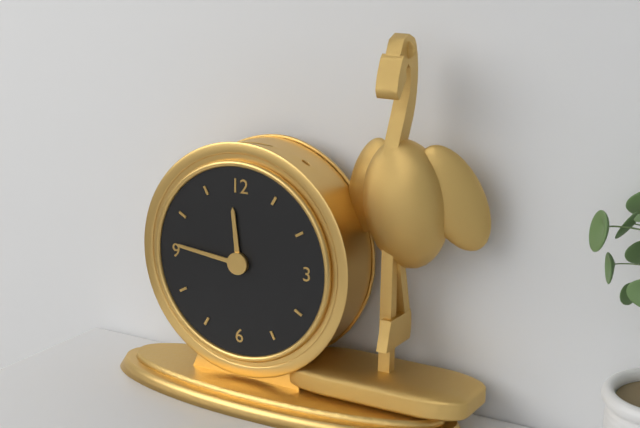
11:46
